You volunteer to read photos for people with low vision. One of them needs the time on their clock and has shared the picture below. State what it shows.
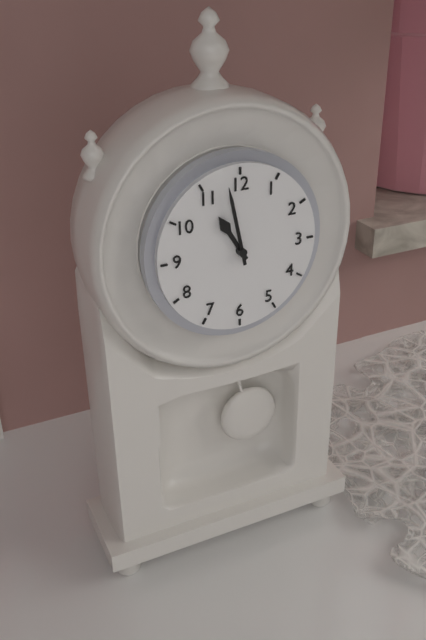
10:58
